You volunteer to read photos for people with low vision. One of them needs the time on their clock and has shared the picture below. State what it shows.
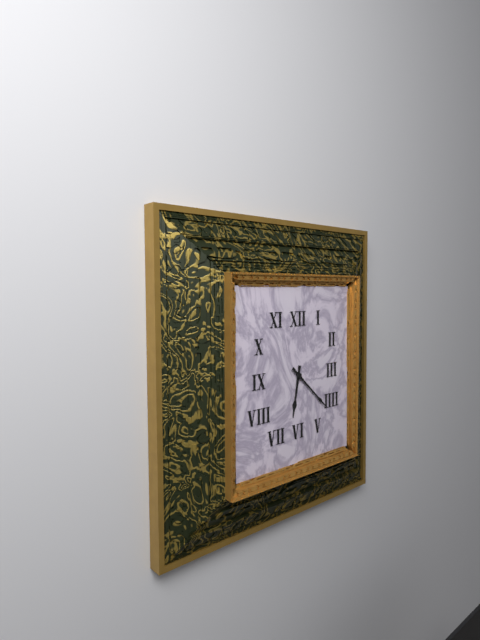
6:22
